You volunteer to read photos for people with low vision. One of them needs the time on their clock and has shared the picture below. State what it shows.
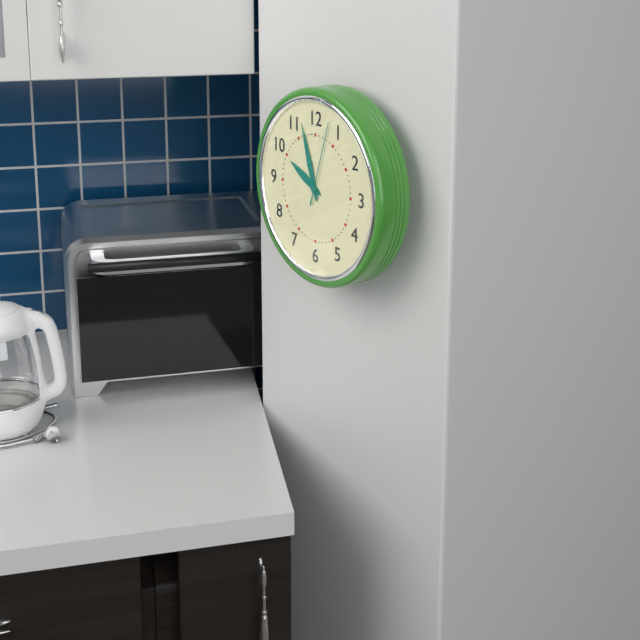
9:57:03
